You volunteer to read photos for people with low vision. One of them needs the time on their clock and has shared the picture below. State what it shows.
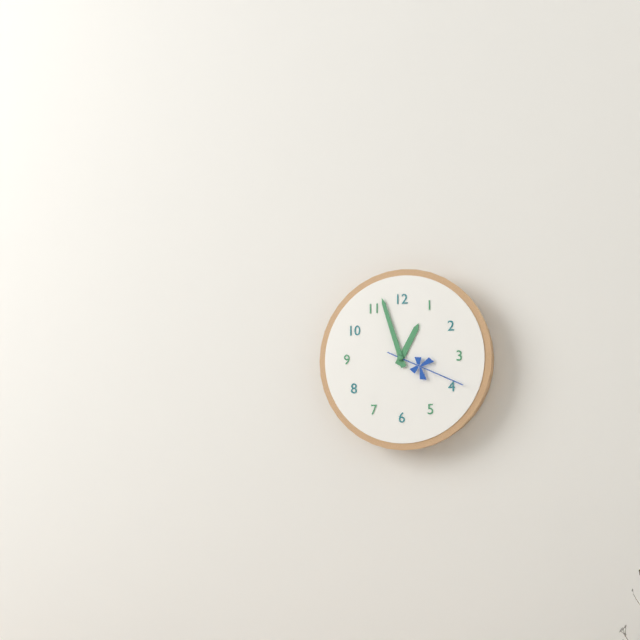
12:57:19
